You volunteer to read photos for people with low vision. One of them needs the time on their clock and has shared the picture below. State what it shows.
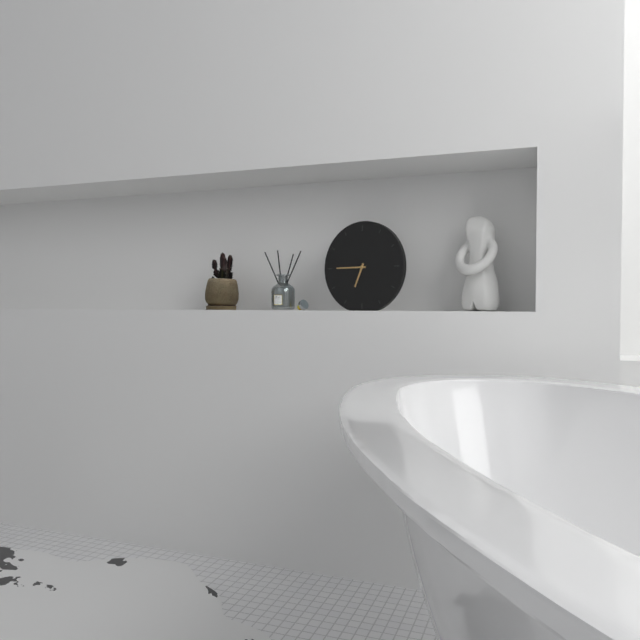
6:45
